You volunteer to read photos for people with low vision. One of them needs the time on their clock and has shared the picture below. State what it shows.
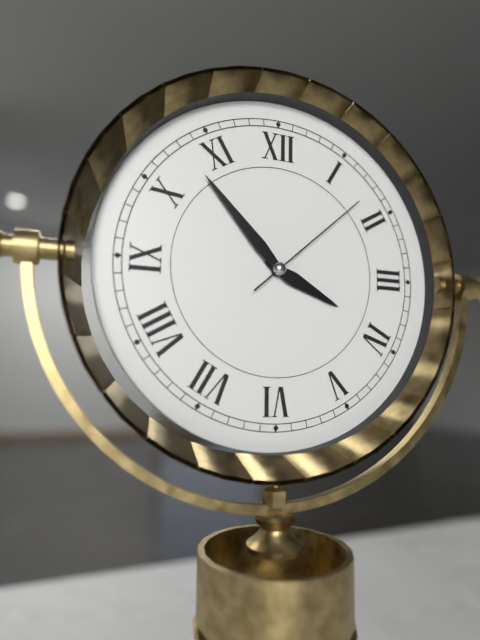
3:53:08
